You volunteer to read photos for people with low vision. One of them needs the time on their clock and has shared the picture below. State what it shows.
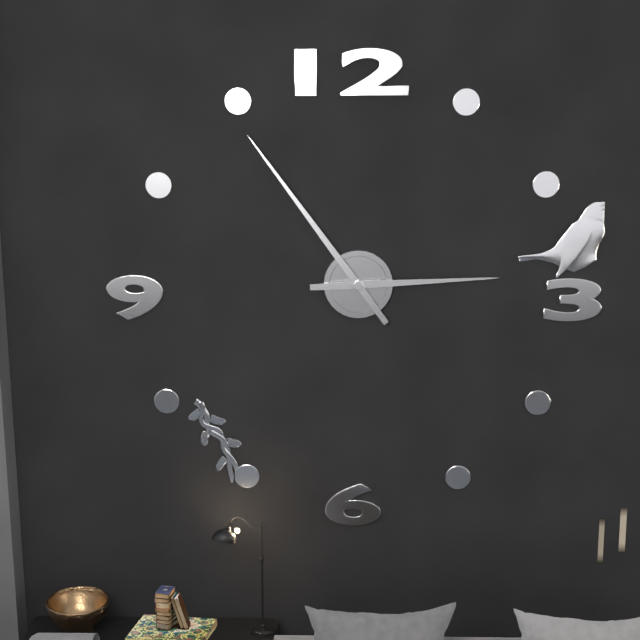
2:54
